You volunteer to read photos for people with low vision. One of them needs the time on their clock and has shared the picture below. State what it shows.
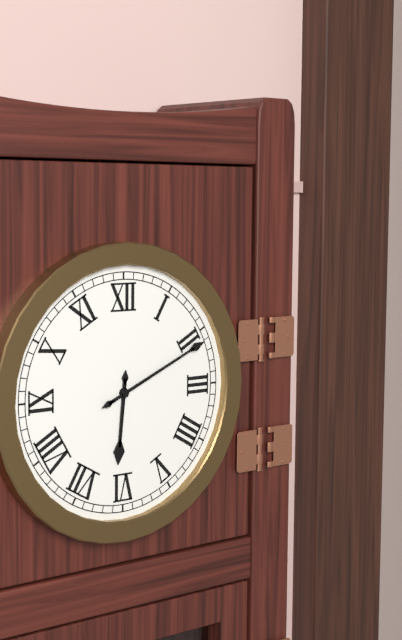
6:11
